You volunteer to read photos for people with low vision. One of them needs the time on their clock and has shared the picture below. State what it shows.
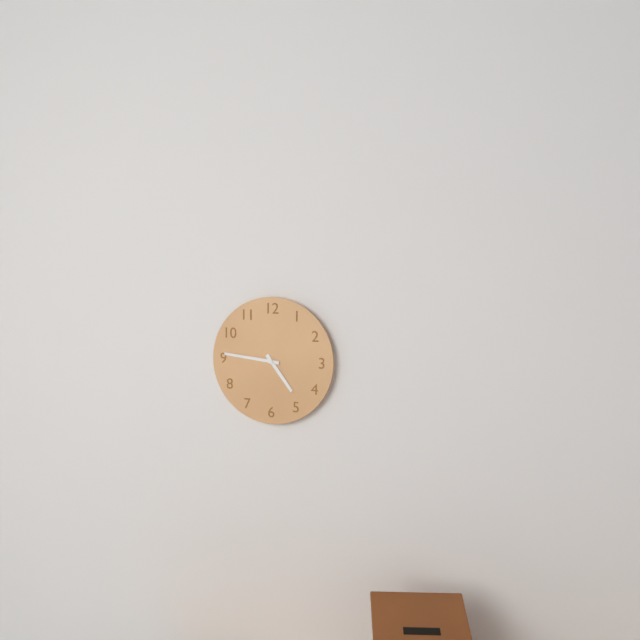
4:46
